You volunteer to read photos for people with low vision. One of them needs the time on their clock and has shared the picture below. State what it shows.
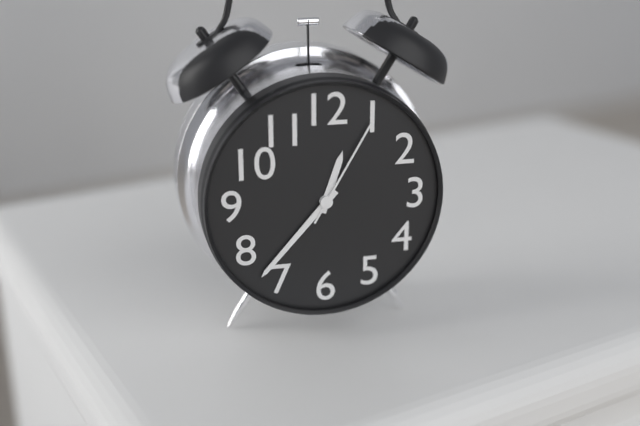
12:37:05
